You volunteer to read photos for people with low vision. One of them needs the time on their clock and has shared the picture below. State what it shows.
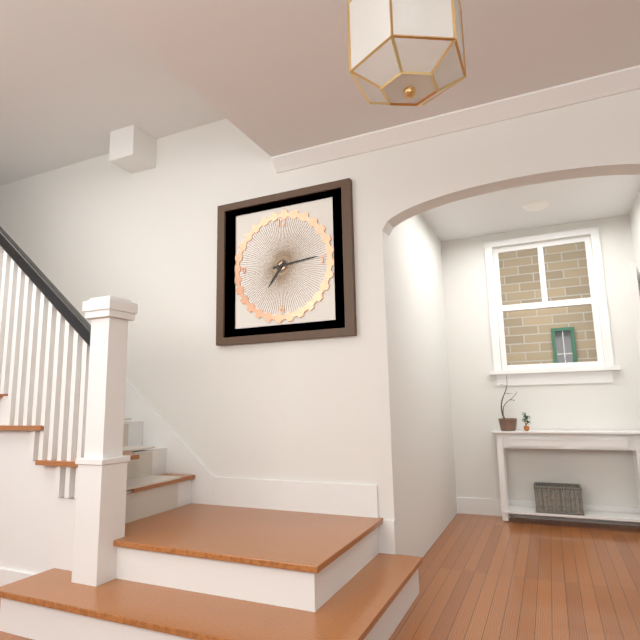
7:14
